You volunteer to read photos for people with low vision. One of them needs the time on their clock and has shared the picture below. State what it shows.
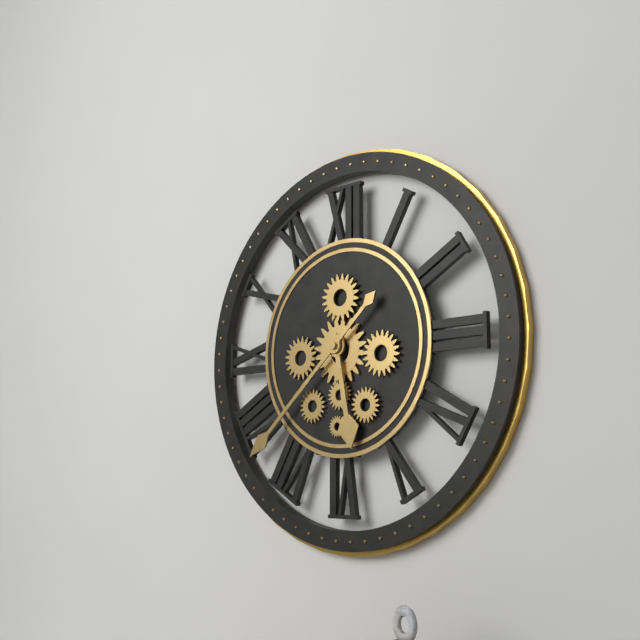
5:38
